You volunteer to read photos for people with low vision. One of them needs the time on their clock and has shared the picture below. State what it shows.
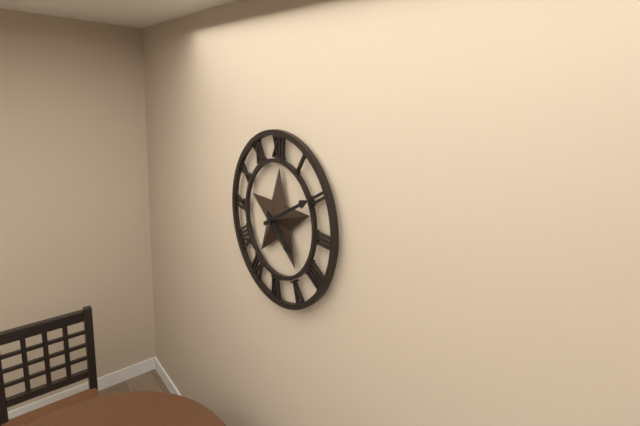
4:10
